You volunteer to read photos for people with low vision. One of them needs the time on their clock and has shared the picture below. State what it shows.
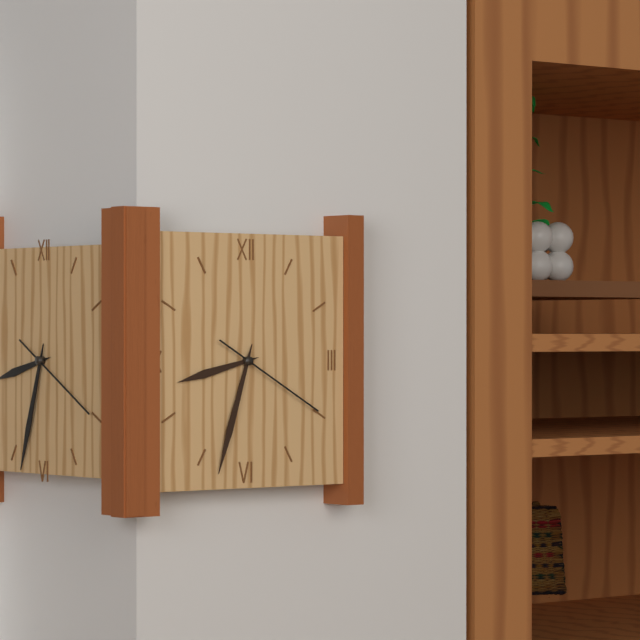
8:33:20
